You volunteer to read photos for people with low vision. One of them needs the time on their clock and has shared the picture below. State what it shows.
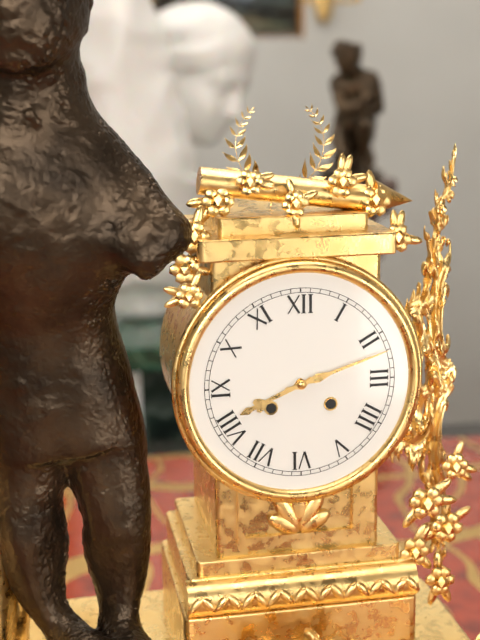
8:12
